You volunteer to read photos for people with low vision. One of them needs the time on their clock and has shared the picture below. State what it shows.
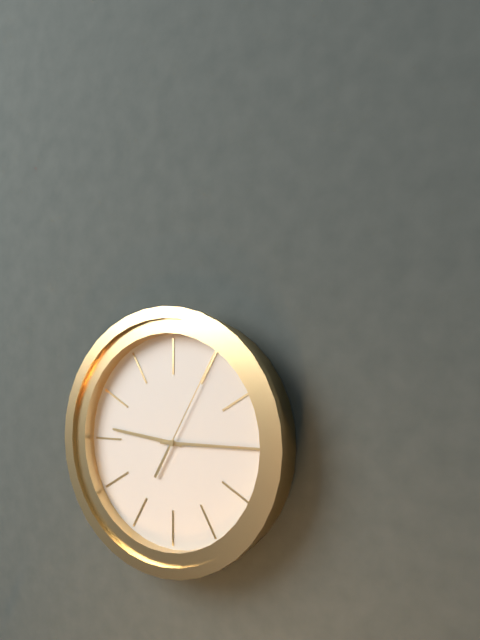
9:15:05
